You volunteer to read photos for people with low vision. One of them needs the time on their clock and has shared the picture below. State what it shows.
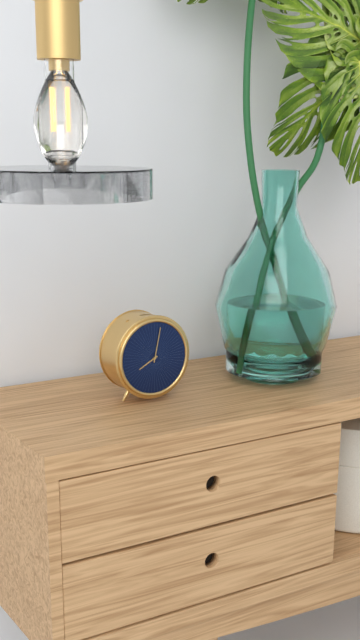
8:02
